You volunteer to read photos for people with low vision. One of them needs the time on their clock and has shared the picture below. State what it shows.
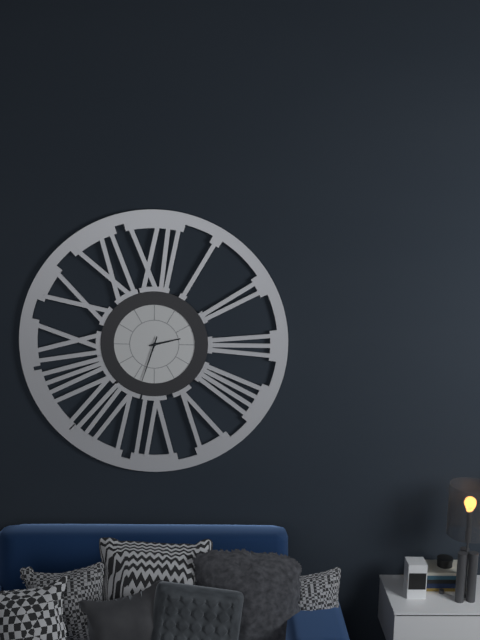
2:33
